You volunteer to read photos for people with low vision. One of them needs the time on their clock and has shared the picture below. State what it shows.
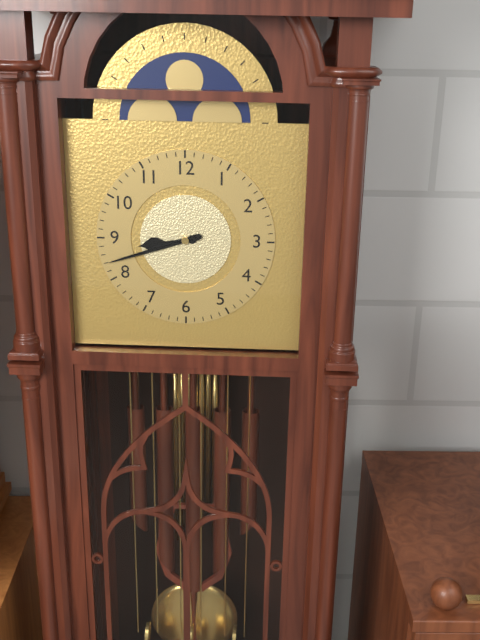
8:42
